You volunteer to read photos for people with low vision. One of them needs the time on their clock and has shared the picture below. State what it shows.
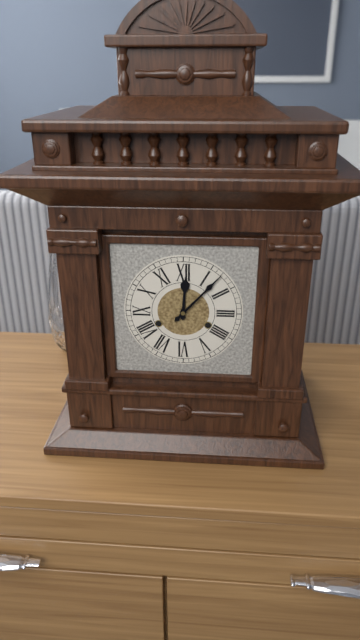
12:07
